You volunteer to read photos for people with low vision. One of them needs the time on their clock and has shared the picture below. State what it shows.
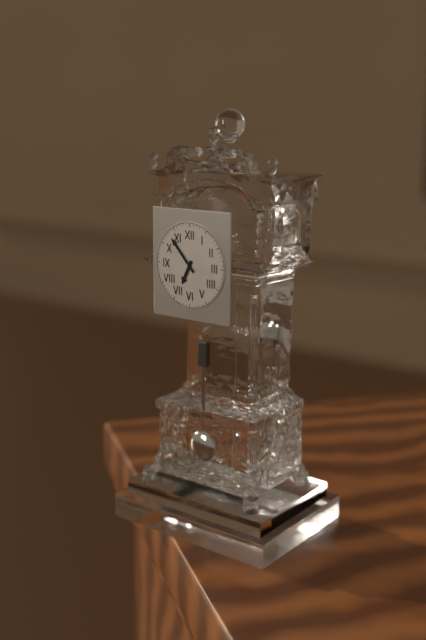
6:53
